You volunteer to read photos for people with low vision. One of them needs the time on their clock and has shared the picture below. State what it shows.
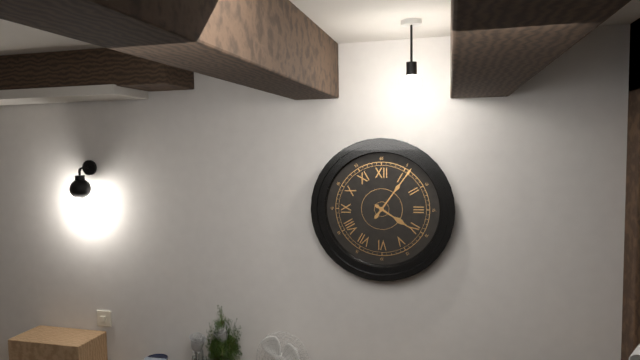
4:06
